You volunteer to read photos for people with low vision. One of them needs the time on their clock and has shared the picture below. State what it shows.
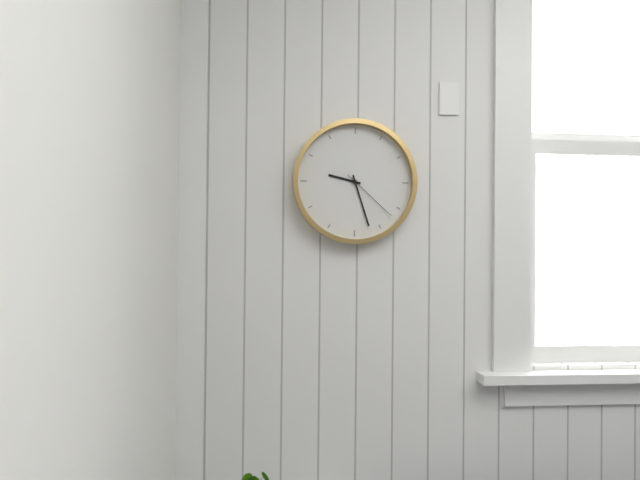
9:27:22
